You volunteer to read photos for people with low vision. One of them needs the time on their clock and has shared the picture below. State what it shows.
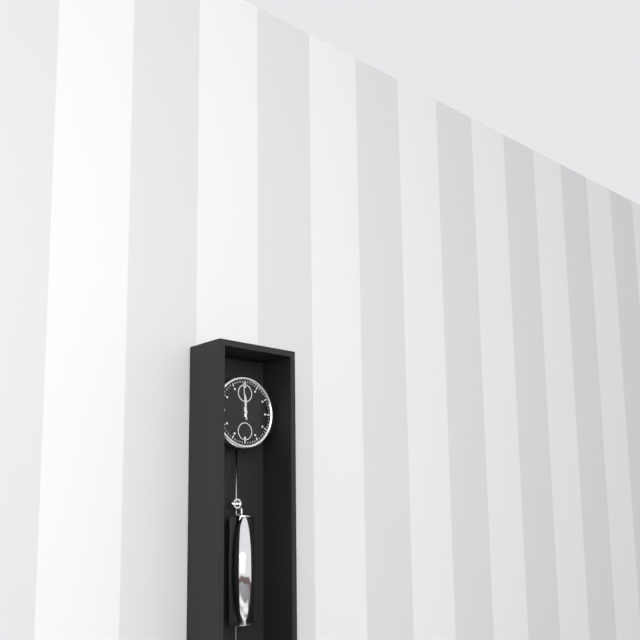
11:59
